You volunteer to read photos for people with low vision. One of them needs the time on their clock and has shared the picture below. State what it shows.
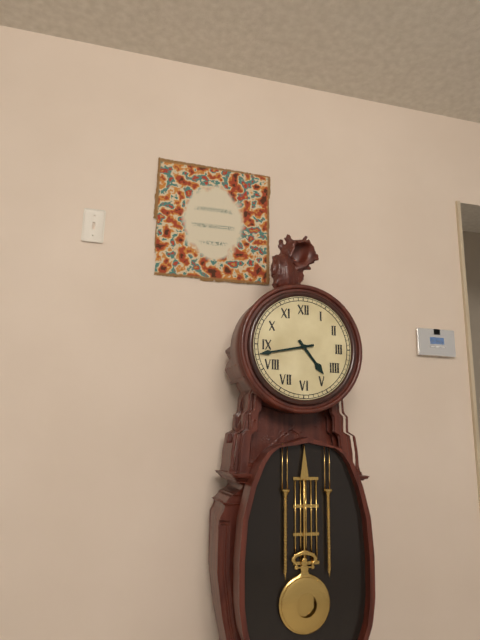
4:43
